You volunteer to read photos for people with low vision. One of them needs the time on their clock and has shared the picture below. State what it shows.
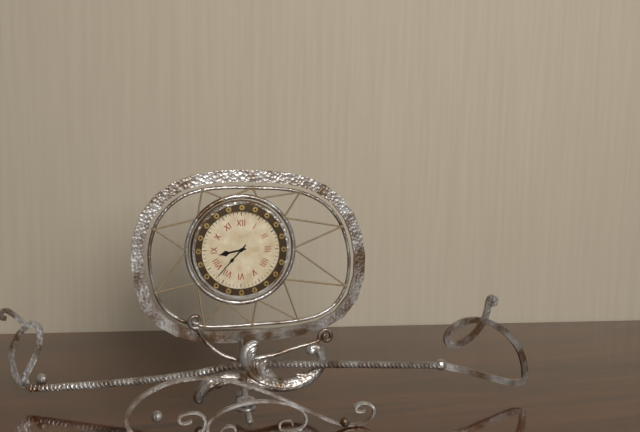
8:37
